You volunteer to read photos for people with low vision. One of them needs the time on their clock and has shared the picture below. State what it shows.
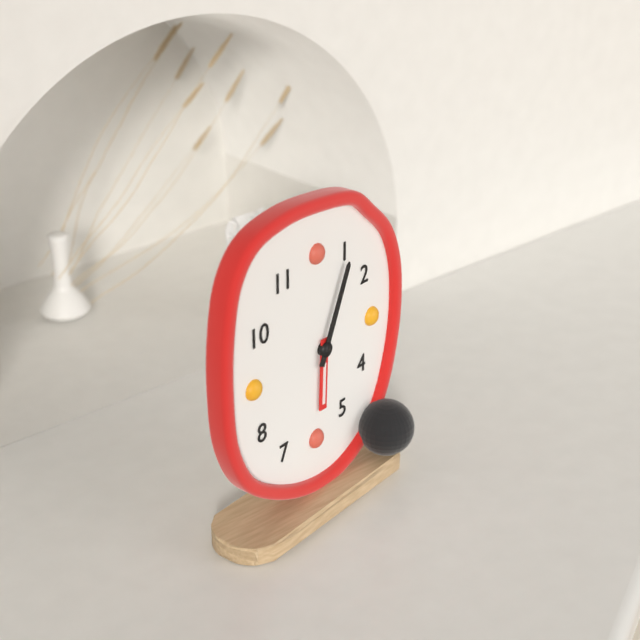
6:04
